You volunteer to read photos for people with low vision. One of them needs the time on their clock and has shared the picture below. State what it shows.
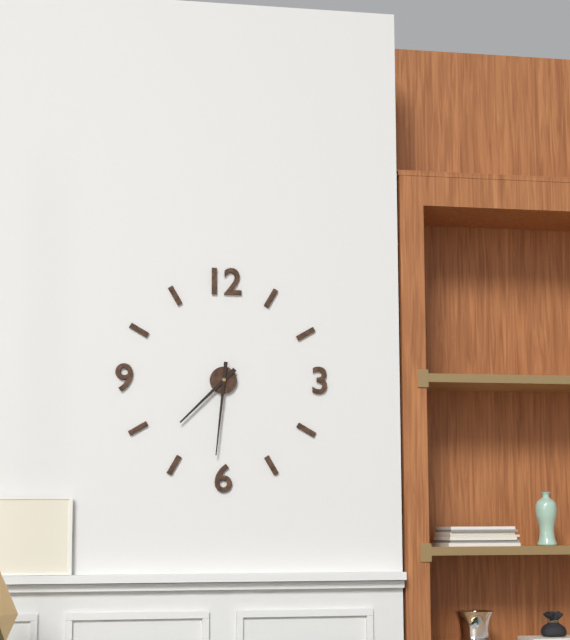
7:31
